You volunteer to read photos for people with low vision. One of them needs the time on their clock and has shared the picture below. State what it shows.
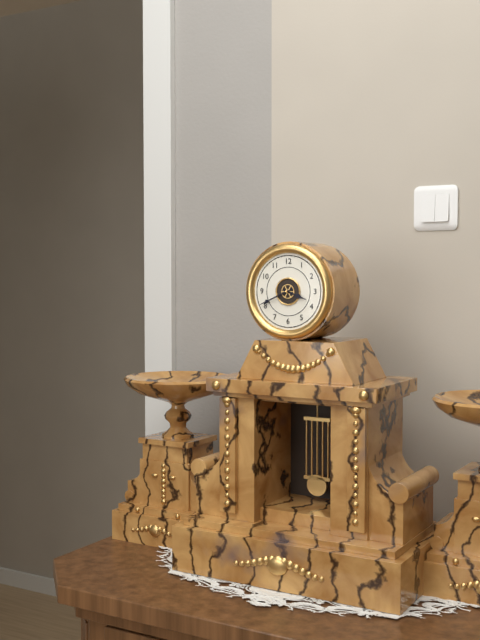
3:41
